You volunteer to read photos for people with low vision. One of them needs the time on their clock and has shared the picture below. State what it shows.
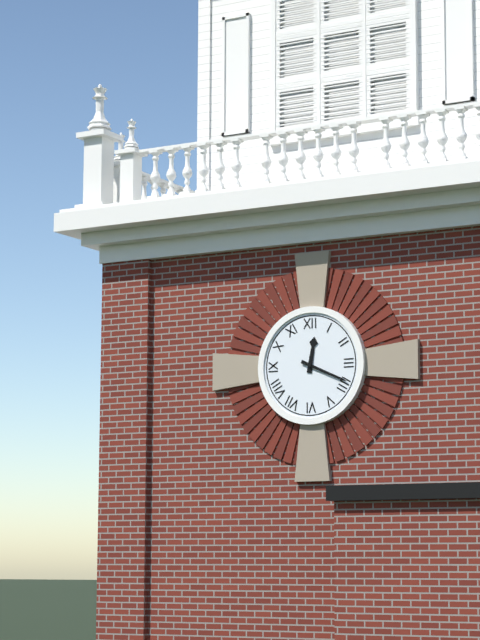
12:19
